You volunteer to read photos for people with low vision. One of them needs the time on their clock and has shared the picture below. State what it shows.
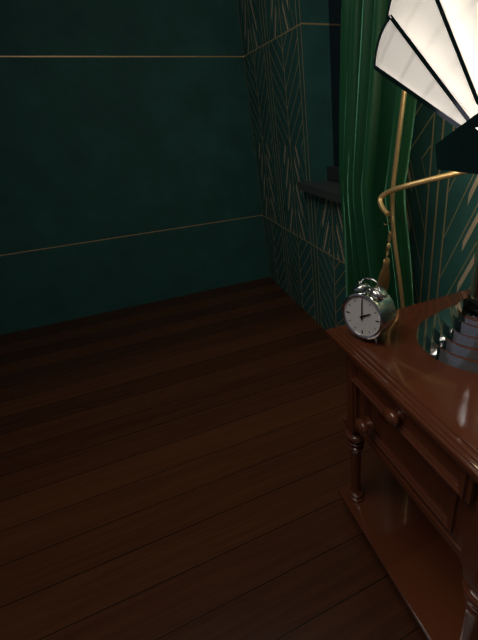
2:00
